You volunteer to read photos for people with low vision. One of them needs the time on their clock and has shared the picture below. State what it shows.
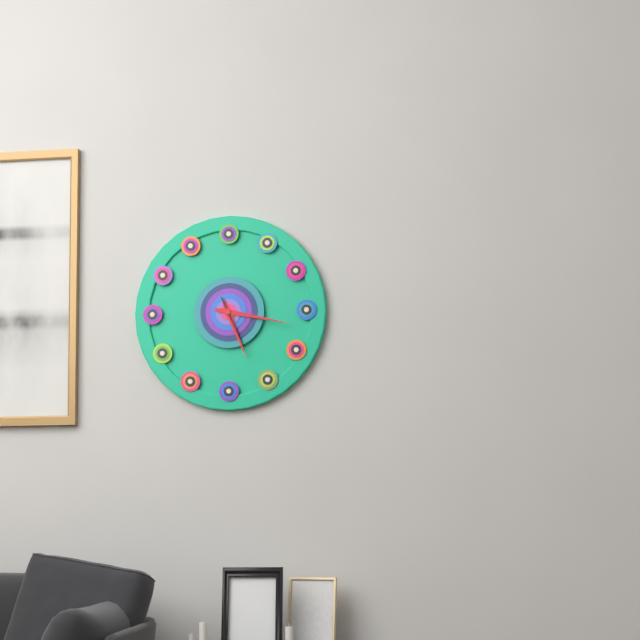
5:17:26
